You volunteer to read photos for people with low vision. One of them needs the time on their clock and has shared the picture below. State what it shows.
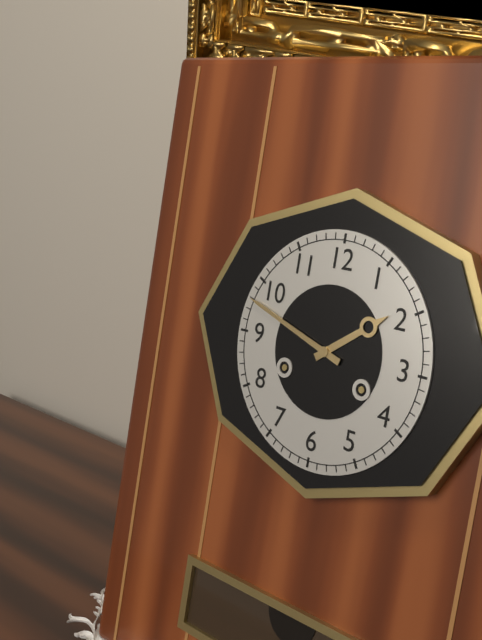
1:48
